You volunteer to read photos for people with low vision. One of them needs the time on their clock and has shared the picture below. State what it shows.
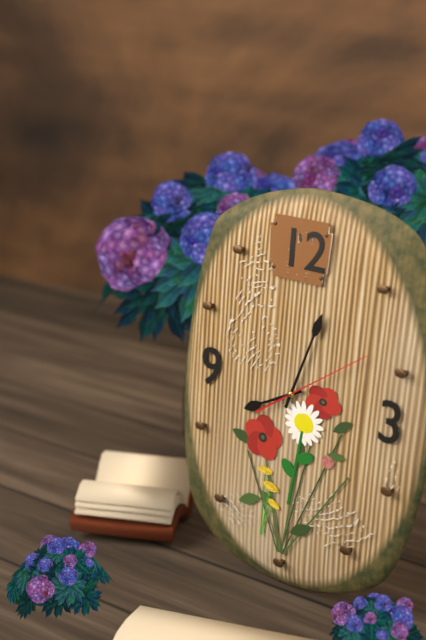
8:03:09
